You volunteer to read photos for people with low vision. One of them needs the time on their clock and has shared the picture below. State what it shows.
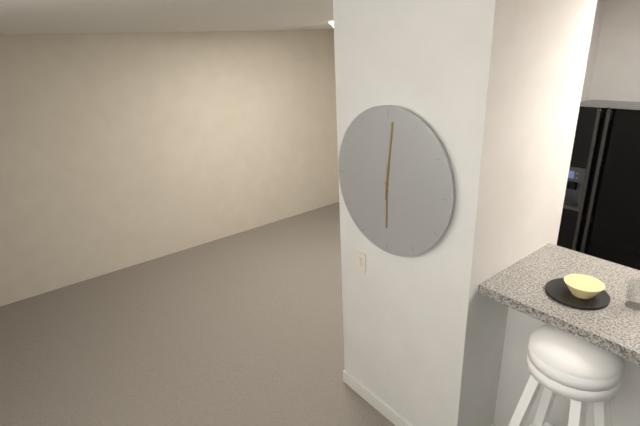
6:01
